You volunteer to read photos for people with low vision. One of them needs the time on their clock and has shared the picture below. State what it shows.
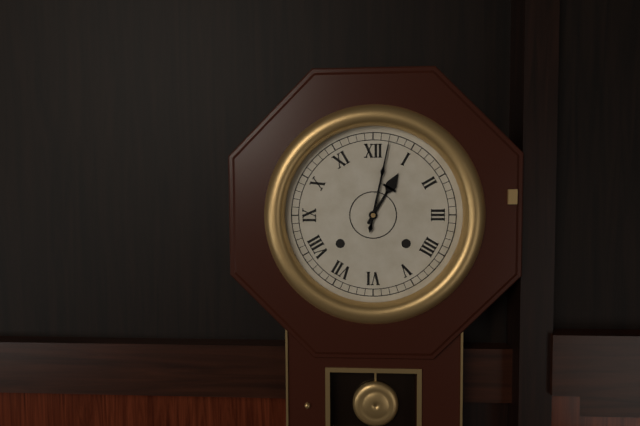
1:02
